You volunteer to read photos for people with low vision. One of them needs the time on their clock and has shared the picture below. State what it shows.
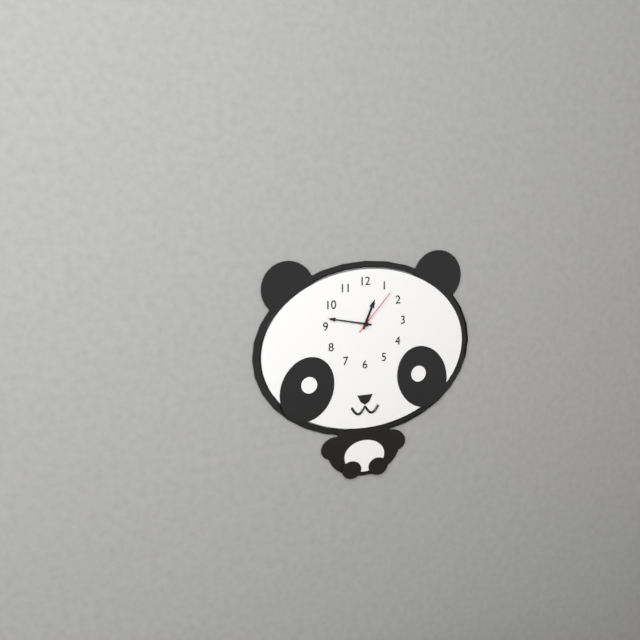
12:47
